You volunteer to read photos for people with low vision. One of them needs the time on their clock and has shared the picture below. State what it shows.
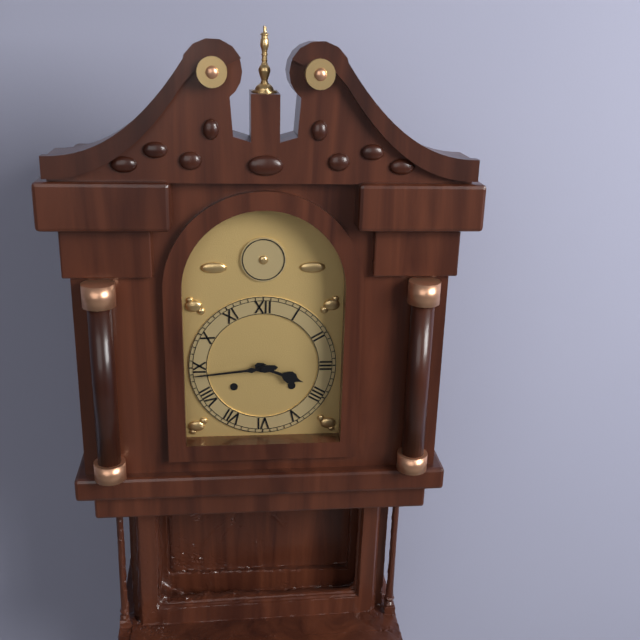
3:44
